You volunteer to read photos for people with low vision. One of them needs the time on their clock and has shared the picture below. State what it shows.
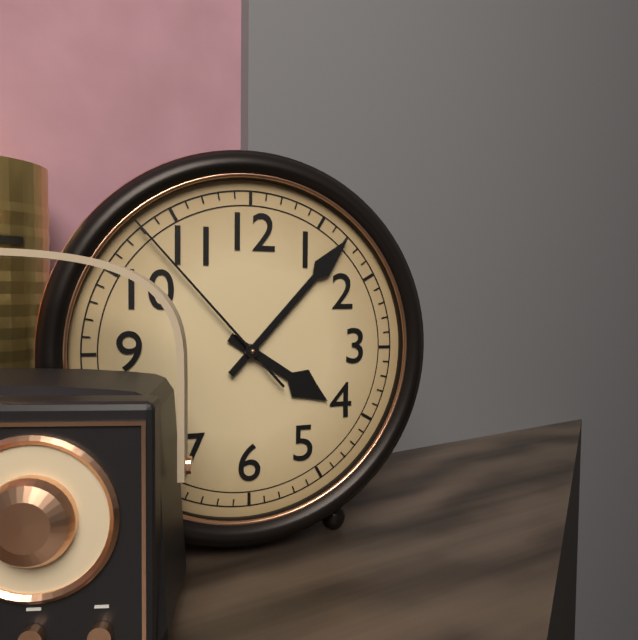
4:07:53
